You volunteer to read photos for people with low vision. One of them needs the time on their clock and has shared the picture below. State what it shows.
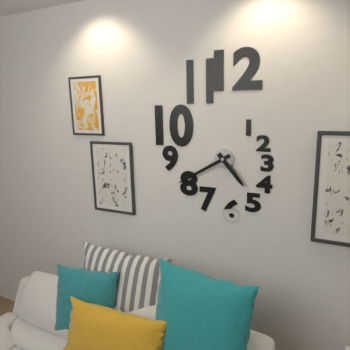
4:40
